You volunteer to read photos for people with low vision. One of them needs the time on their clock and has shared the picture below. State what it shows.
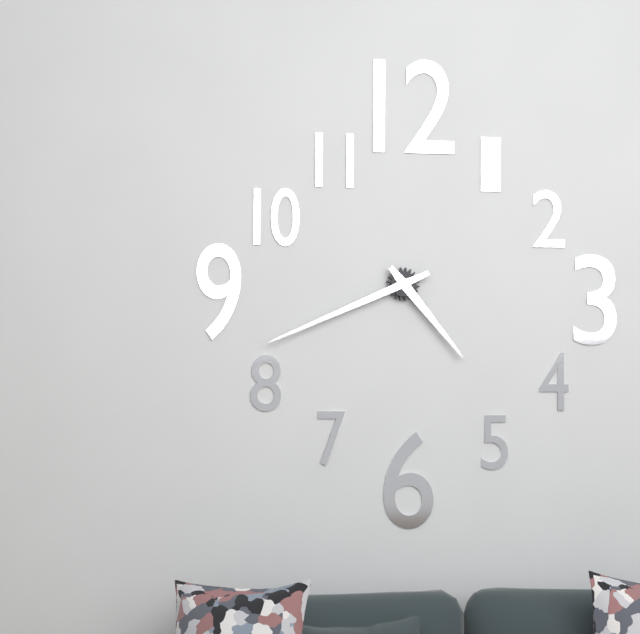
4:41
